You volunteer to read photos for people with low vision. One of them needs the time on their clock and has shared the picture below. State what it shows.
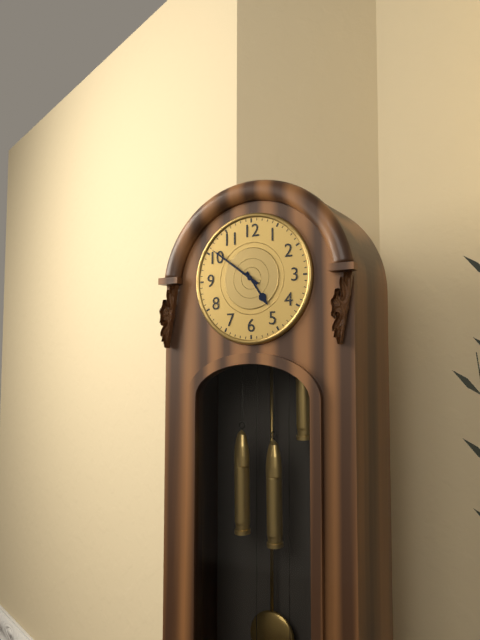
4:51
